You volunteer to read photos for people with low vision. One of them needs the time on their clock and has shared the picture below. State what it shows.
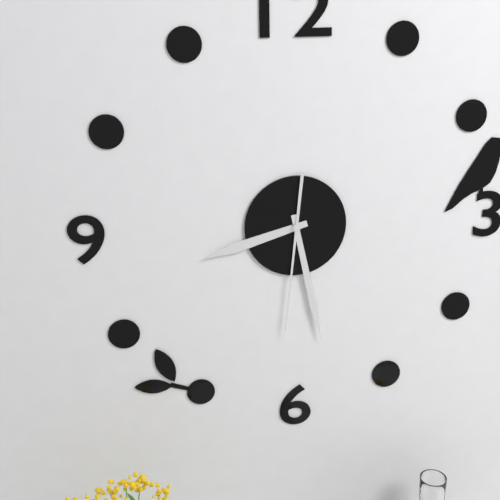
8:28:31
